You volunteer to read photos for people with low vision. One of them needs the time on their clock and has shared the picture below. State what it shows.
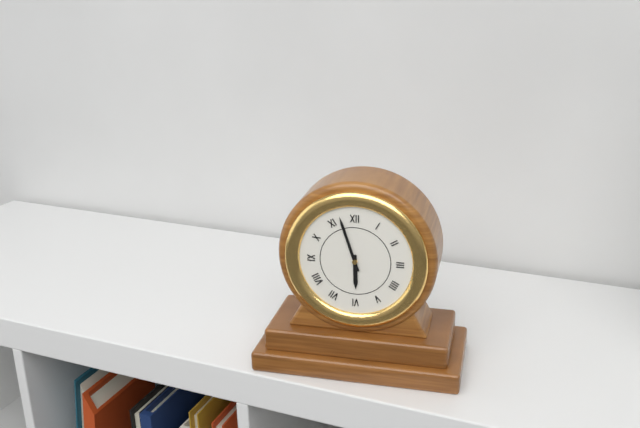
5:57
